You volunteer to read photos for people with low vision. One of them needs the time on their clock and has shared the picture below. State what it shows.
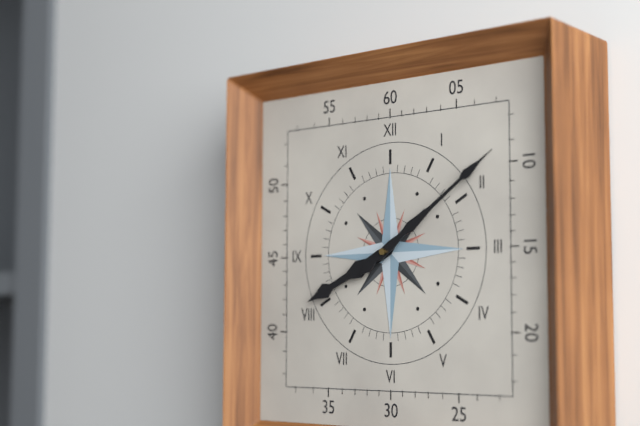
8:09
